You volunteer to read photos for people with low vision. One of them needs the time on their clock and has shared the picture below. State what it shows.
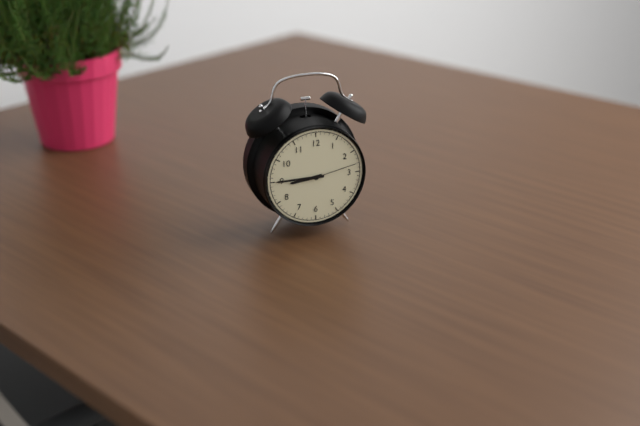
8:45:13
